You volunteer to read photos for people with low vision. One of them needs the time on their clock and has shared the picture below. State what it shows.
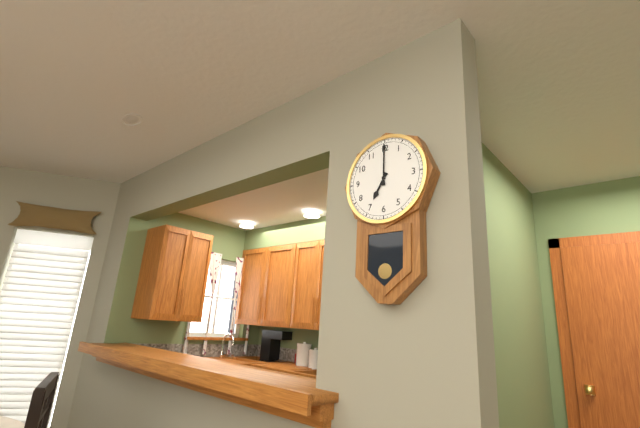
7:00
